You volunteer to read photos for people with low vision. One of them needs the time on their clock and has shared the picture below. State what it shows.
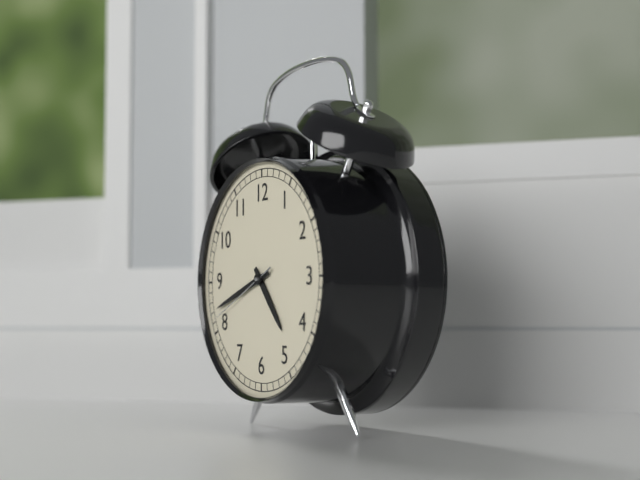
4:42:41
